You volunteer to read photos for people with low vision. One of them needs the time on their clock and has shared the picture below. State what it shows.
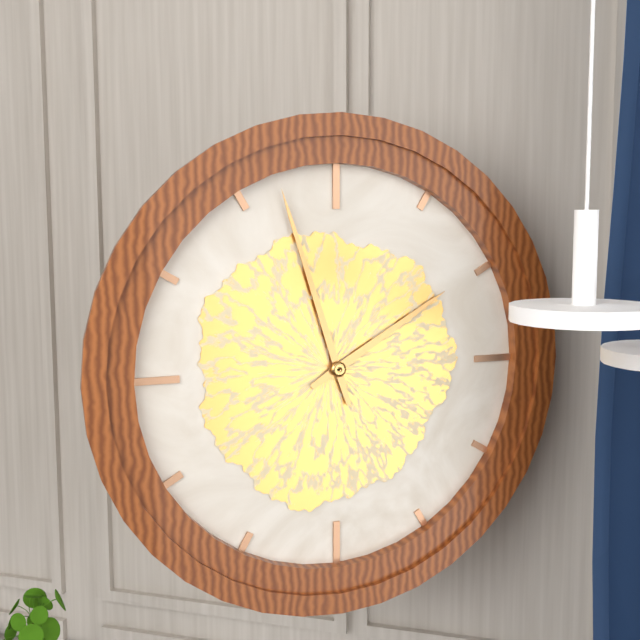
1:57
